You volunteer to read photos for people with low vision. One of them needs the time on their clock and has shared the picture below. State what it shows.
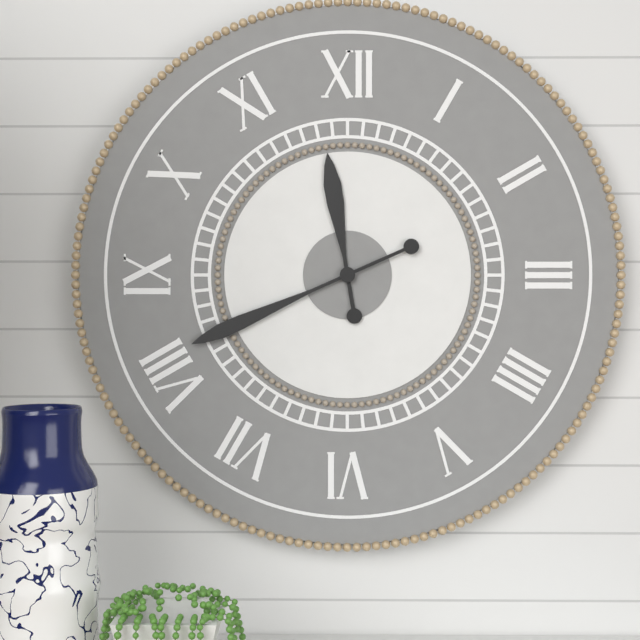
11:41
